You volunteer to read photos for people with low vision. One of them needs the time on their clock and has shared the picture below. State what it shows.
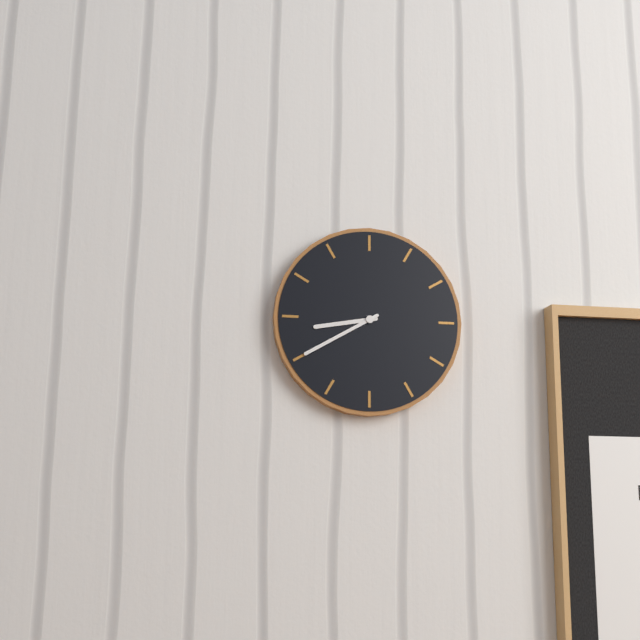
8:40
